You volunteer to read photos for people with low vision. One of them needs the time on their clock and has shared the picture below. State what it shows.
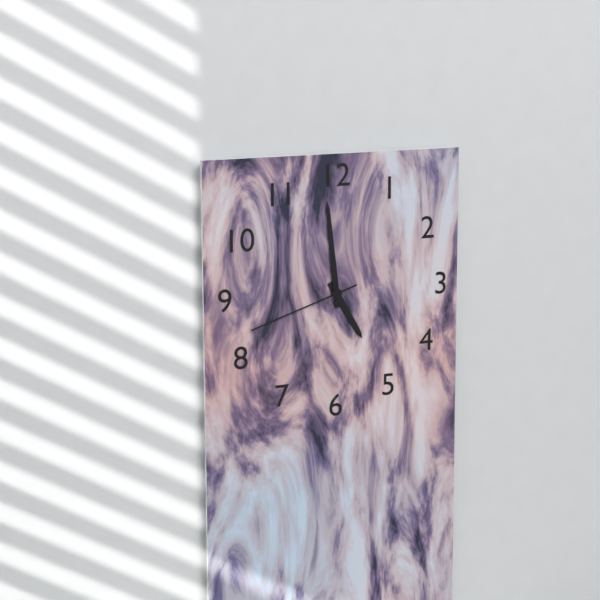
4:59:42
